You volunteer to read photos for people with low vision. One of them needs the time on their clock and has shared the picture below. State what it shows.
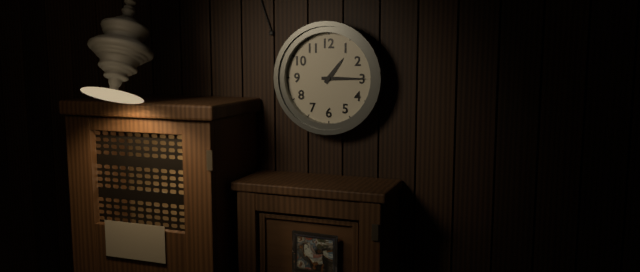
1:15
